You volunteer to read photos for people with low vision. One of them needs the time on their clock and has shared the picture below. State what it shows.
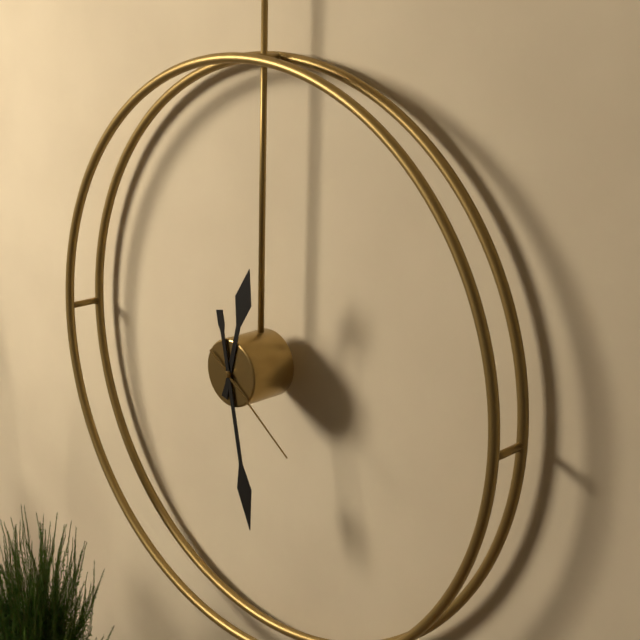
12:28:21
